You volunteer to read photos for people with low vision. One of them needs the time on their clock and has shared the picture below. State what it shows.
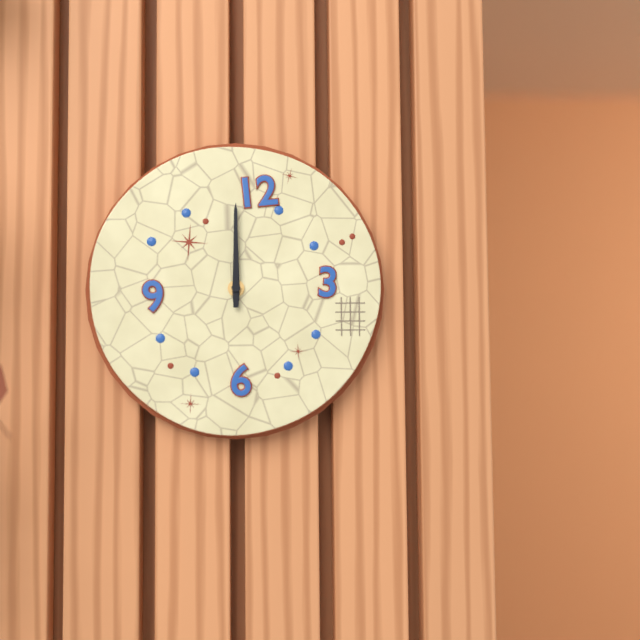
12:00
